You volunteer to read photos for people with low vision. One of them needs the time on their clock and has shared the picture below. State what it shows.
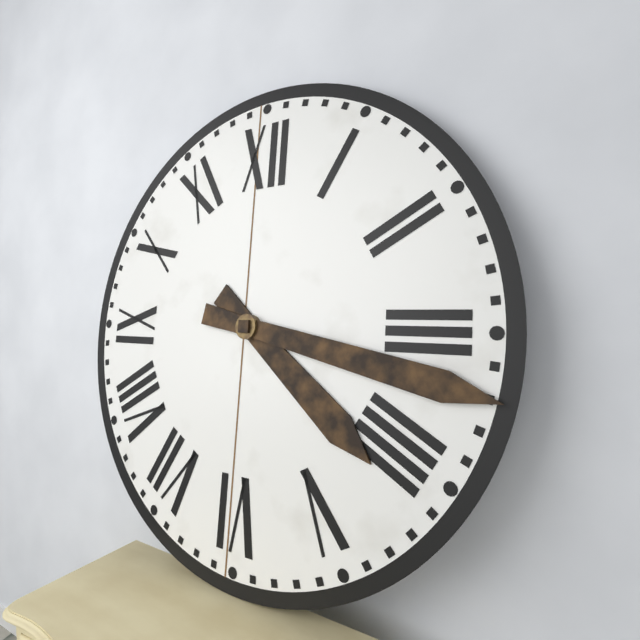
4:17
